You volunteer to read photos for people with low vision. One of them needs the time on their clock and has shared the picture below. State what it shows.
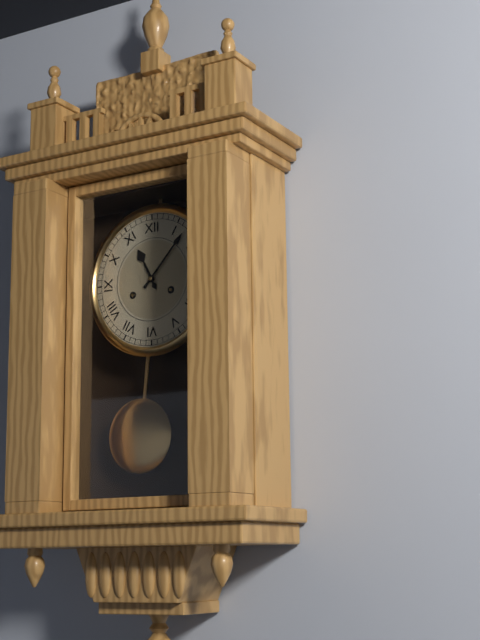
11:07
